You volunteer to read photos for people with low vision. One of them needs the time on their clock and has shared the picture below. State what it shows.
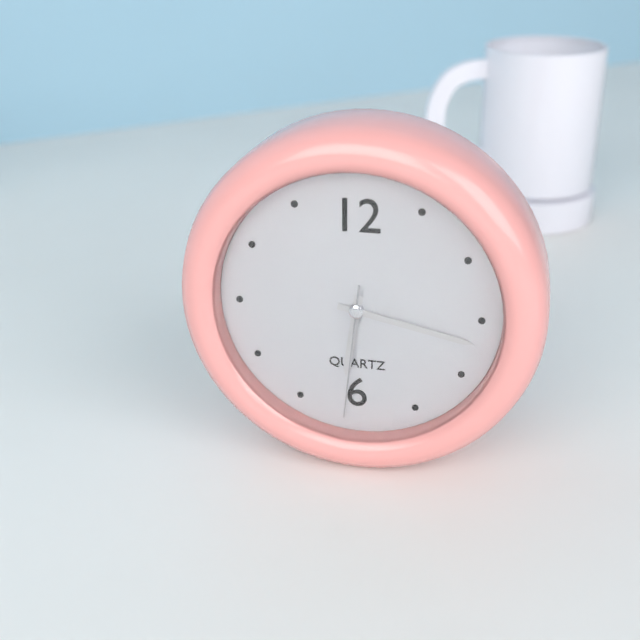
6:17:31
